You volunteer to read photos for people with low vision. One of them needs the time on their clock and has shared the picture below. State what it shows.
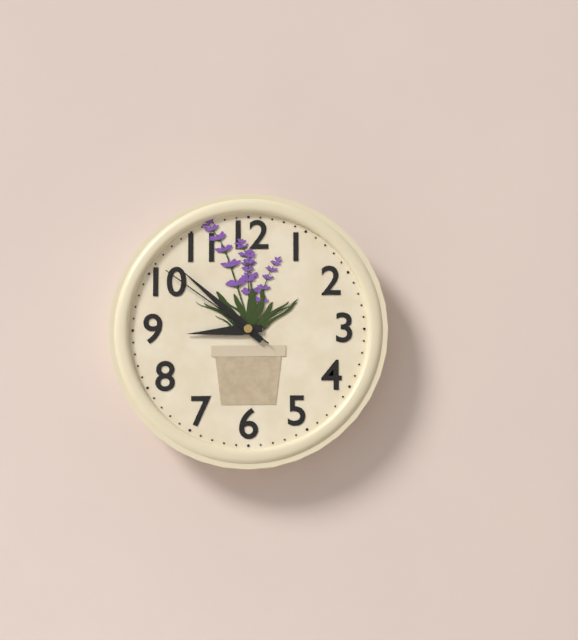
8:52:51
